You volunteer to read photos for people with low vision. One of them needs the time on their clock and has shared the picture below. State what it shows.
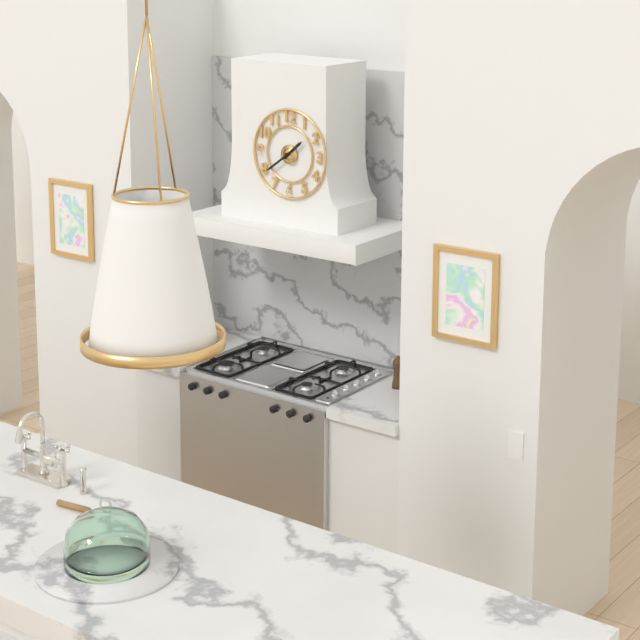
1:39
